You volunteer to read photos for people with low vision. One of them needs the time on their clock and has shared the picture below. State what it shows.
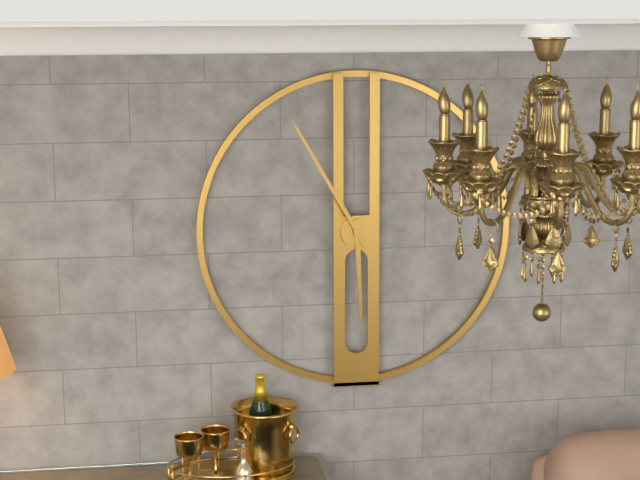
5:55
